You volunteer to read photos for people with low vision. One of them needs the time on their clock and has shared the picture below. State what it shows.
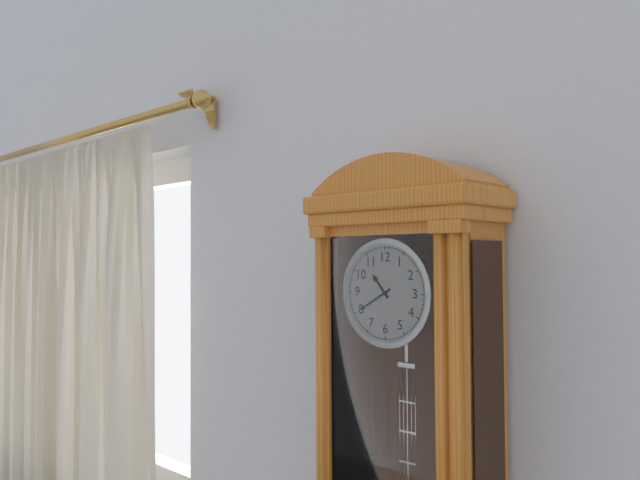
10:40
